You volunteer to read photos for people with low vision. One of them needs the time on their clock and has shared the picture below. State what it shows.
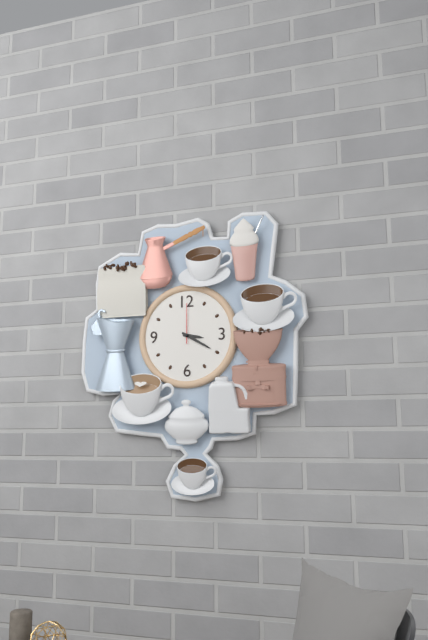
3:20
